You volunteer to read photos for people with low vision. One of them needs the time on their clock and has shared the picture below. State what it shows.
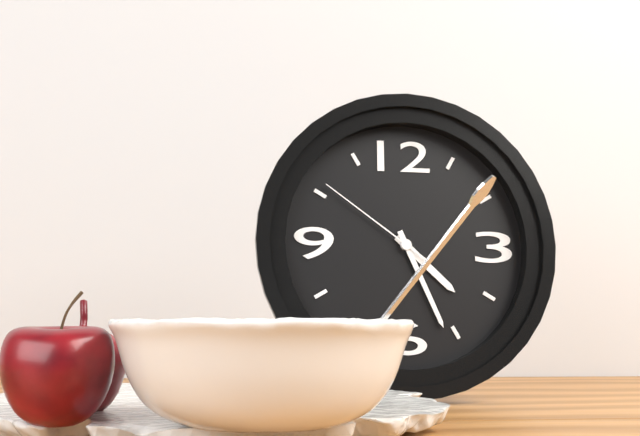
4:26:51
